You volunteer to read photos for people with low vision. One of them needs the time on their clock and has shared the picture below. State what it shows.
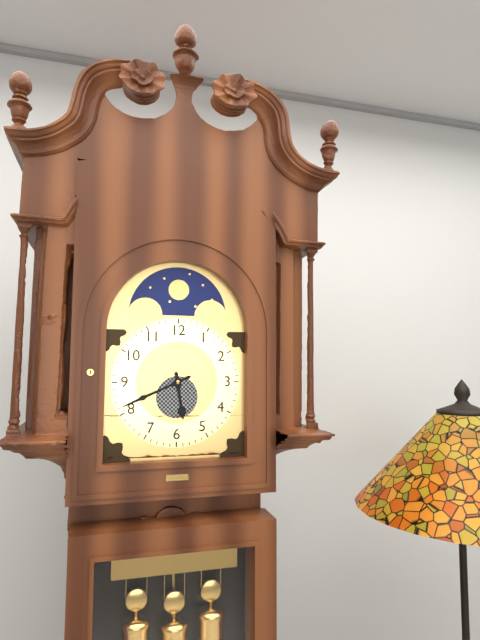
5:41
